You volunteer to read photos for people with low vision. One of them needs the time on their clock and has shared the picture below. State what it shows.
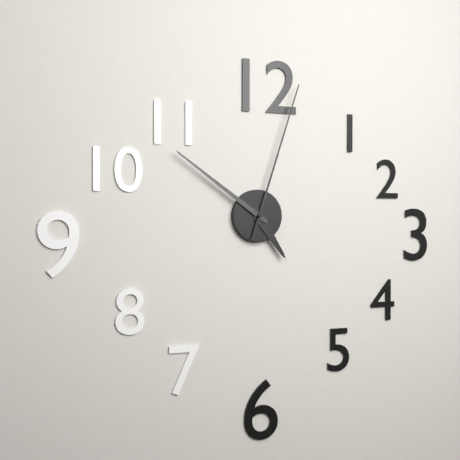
4:51:03
